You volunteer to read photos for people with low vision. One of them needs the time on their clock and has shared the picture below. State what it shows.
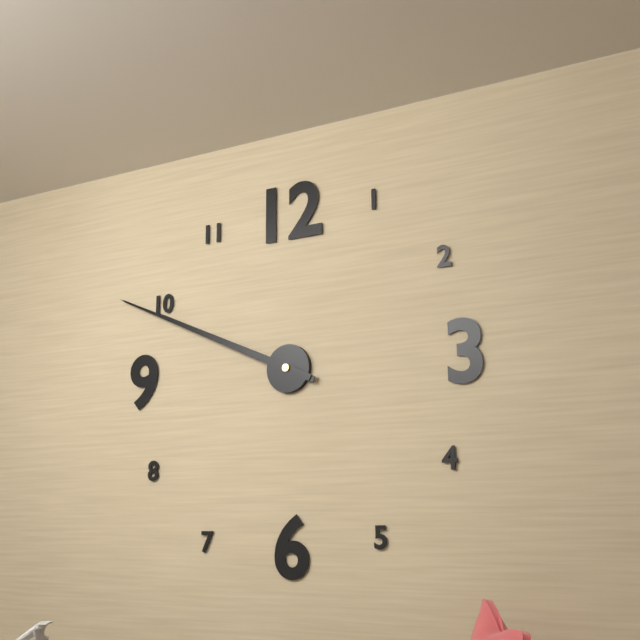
9:49
